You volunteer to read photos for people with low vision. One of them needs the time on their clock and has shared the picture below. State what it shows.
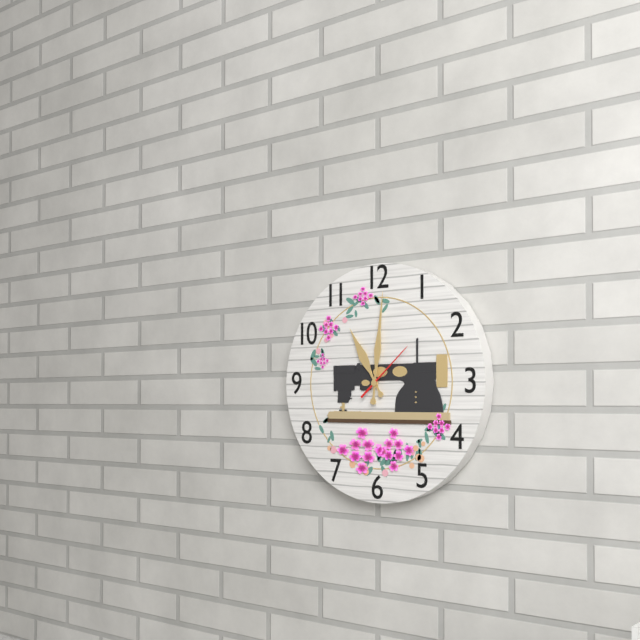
11:01:08
